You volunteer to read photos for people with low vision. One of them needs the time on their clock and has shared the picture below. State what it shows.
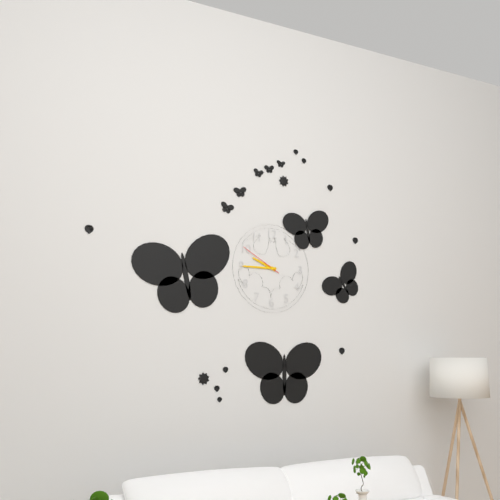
9:45
